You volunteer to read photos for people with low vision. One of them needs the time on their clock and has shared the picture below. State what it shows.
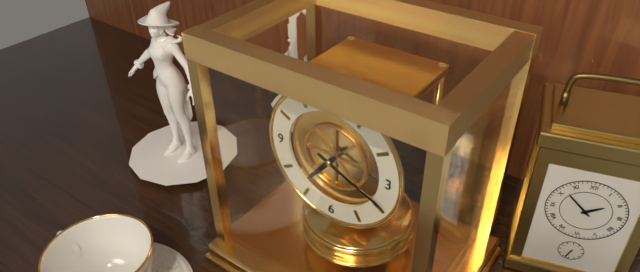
7:19
